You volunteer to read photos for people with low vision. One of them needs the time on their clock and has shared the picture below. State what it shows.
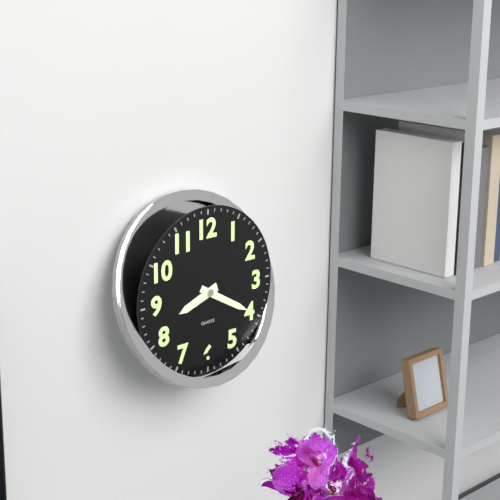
8:20
